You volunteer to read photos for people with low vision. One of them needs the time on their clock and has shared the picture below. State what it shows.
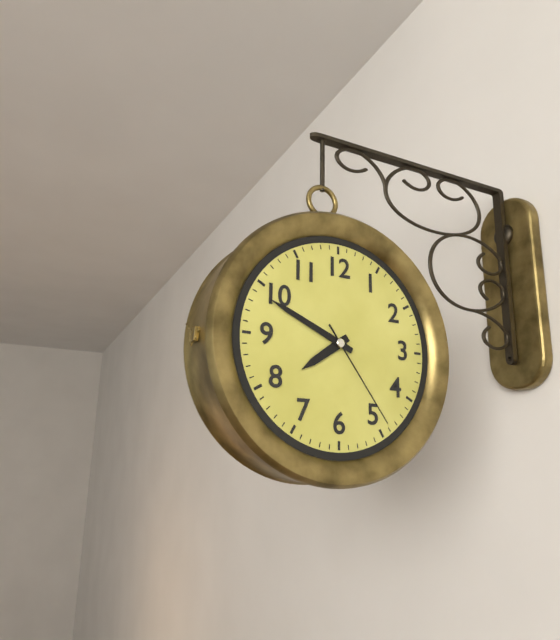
7:49:24
